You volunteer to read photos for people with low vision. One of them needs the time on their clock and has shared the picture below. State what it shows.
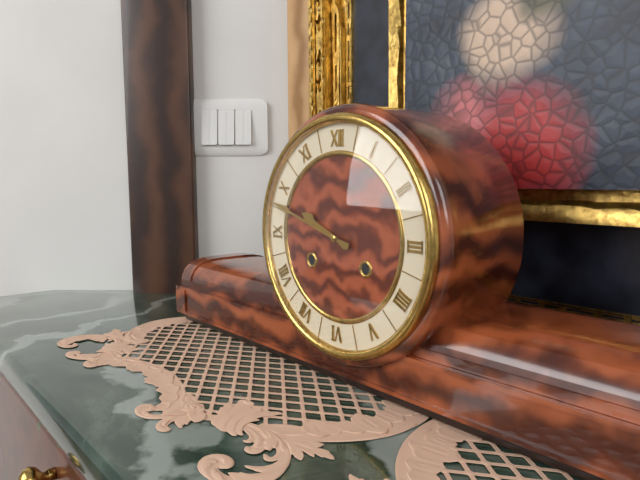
9:48
